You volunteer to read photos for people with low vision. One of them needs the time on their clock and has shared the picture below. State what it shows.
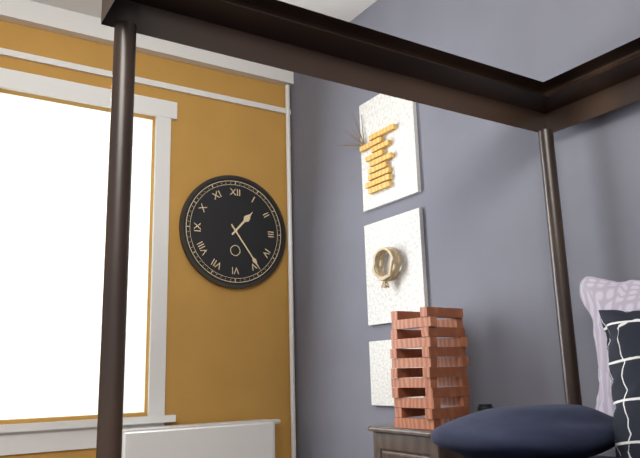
1:24
